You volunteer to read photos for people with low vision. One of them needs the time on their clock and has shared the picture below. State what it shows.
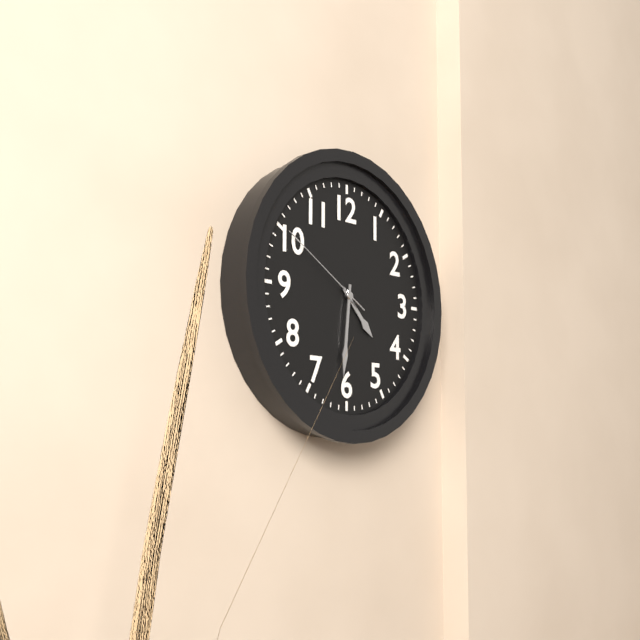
4:31:50
